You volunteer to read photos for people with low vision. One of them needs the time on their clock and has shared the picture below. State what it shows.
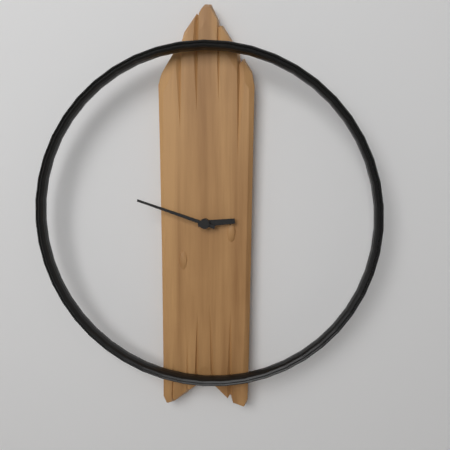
2:48
